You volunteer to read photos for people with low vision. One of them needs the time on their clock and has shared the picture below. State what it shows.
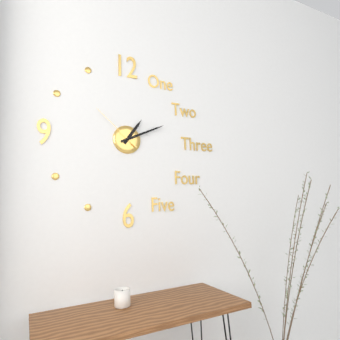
1:11:52
